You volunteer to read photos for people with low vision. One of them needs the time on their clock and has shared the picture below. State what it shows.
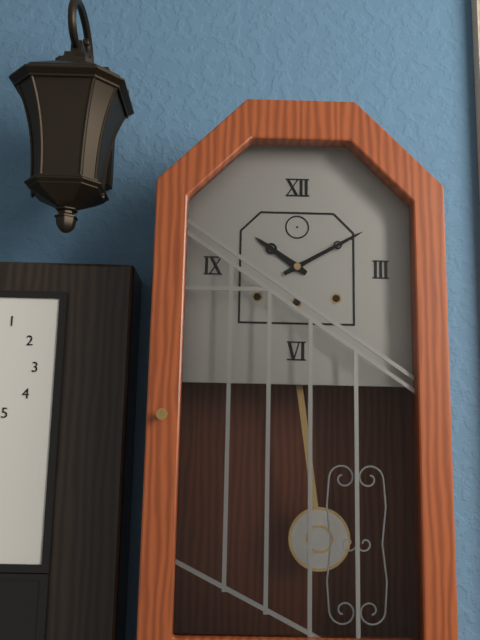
10:10
